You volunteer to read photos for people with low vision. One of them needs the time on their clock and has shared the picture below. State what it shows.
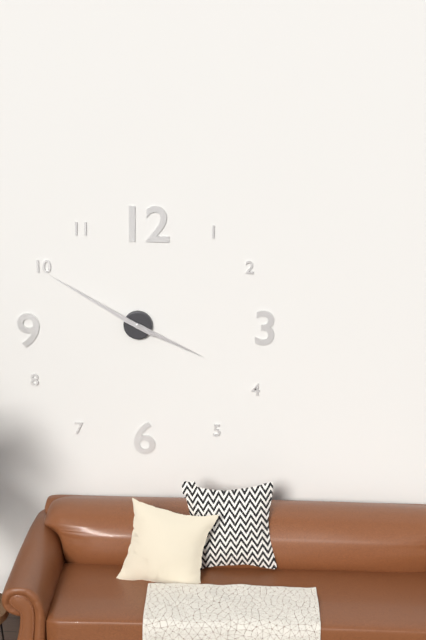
3:50
